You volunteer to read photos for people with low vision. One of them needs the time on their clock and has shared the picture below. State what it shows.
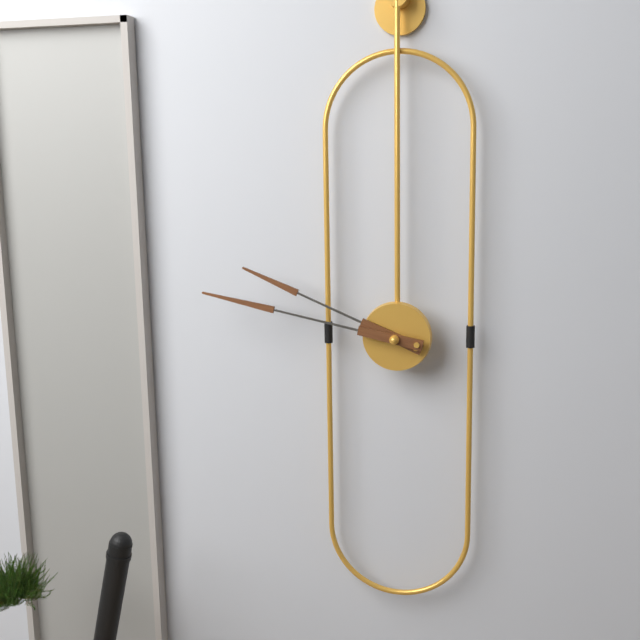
9:47
